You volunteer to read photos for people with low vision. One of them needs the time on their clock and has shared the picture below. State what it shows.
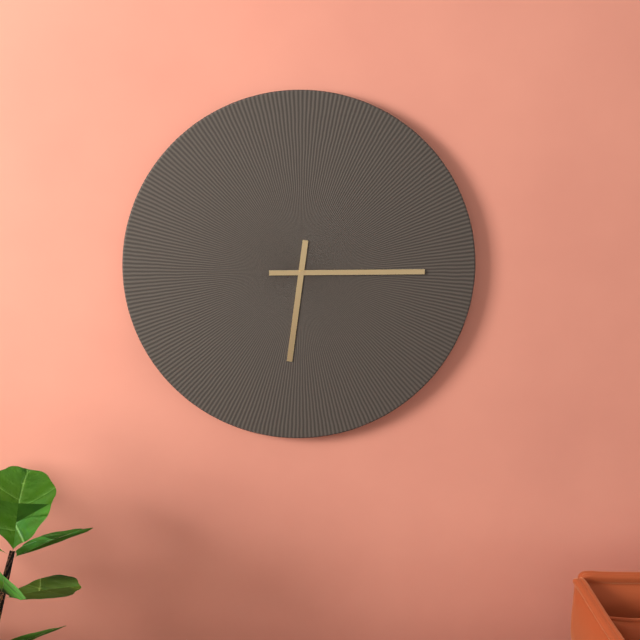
6:15
